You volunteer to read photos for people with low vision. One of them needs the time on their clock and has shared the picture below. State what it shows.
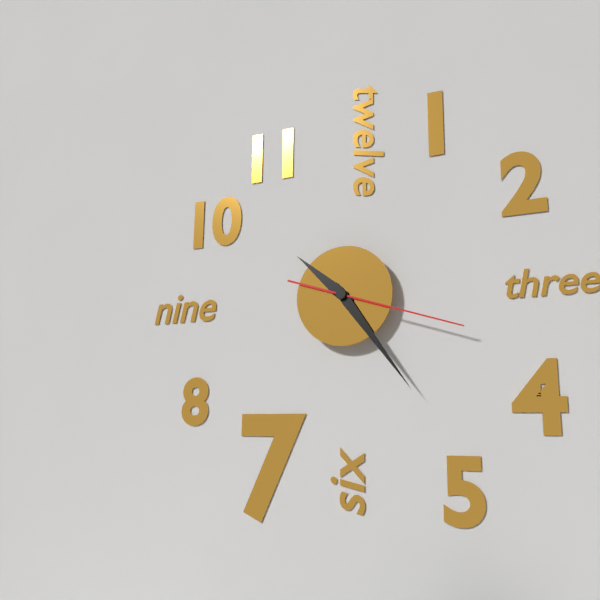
10:24:18
